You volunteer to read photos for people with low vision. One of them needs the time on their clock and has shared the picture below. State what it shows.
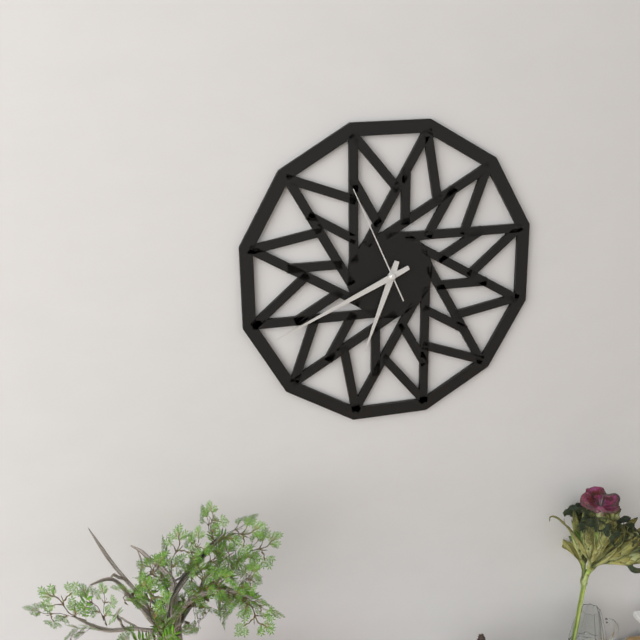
6:41:56
